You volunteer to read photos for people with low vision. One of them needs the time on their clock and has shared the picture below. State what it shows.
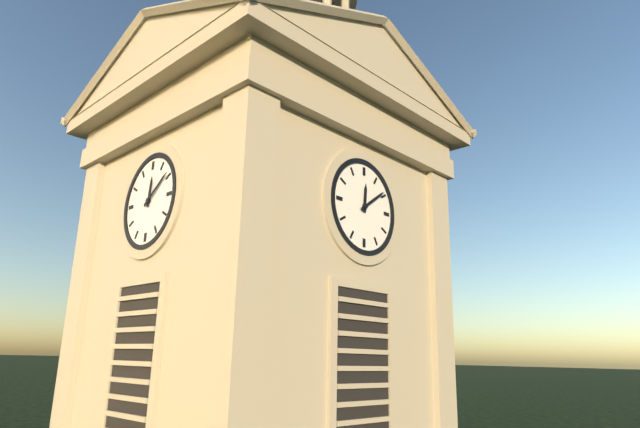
12:09
